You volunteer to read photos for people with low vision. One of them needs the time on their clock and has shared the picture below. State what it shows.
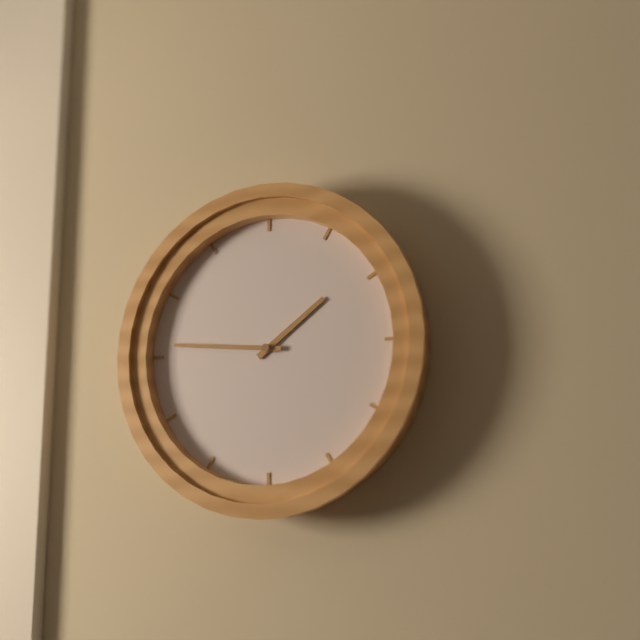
1:46
